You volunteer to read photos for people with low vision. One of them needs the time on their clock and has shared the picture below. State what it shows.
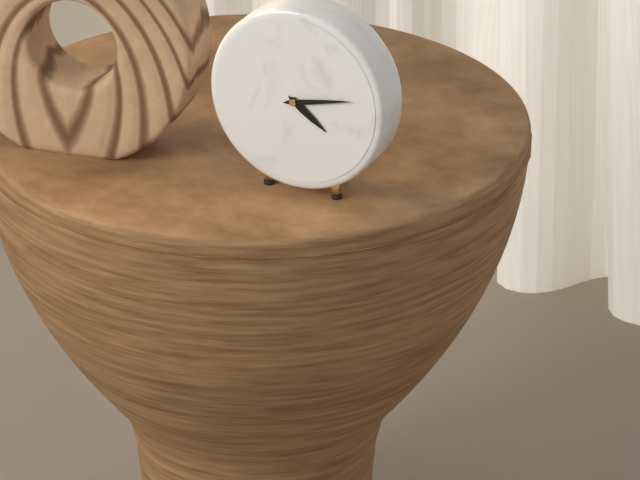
4:13
